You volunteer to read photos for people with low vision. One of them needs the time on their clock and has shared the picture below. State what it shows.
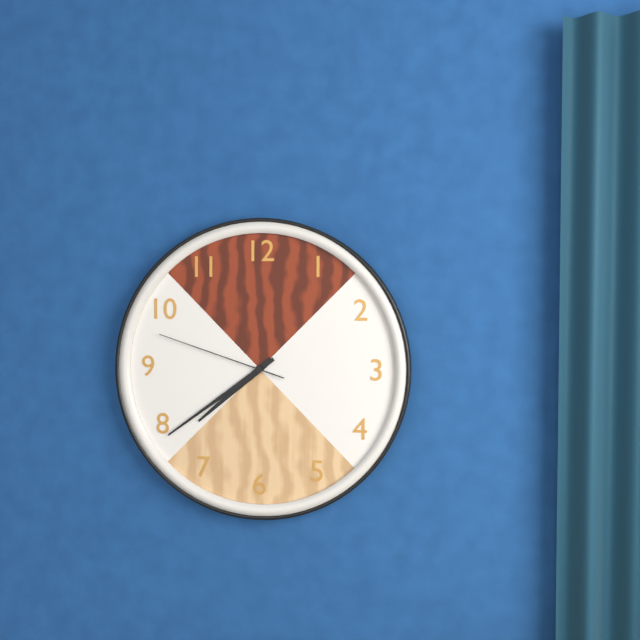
7:39:48
